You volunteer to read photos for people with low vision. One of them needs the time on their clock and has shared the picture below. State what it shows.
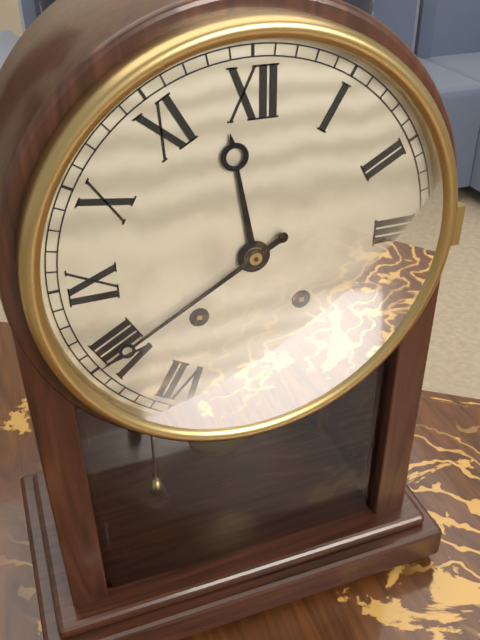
11:40
